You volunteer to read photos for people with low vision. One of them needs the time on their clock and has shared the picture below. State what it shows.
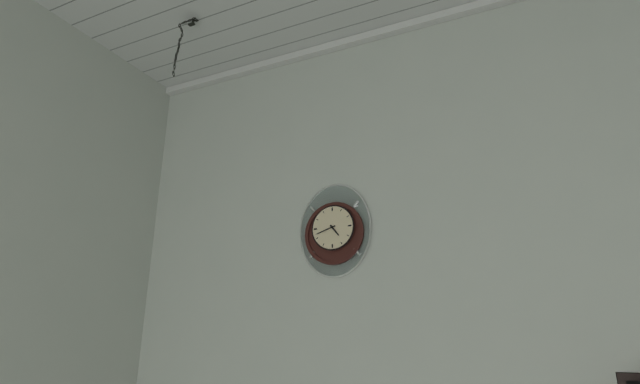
4:42
